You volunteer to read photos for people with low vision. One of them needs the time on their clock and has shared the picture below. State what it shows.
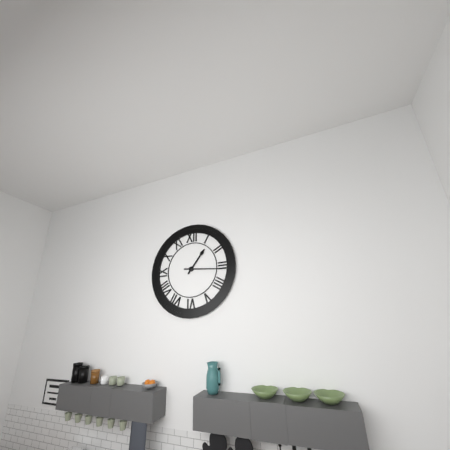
1:16
